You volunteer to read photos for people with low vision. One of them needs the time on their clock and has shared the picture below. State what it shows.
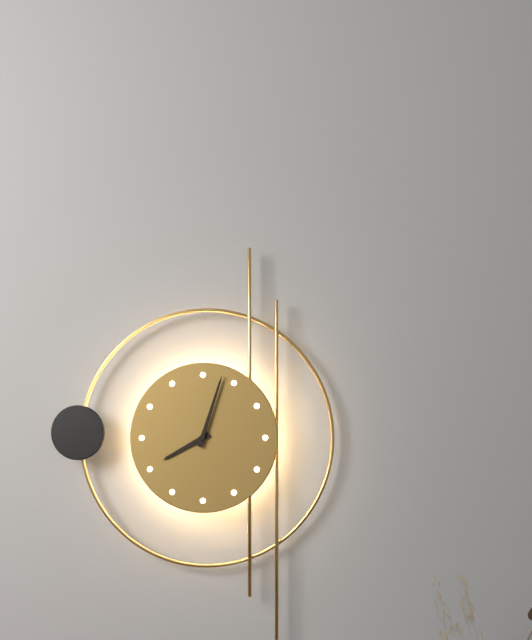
8:03
